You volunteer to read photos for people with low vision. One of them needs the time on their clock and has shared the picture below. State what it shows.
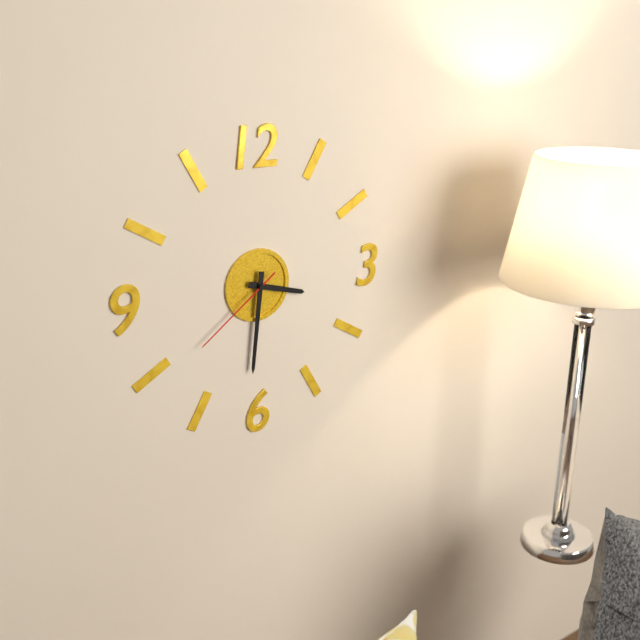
3:31:39
